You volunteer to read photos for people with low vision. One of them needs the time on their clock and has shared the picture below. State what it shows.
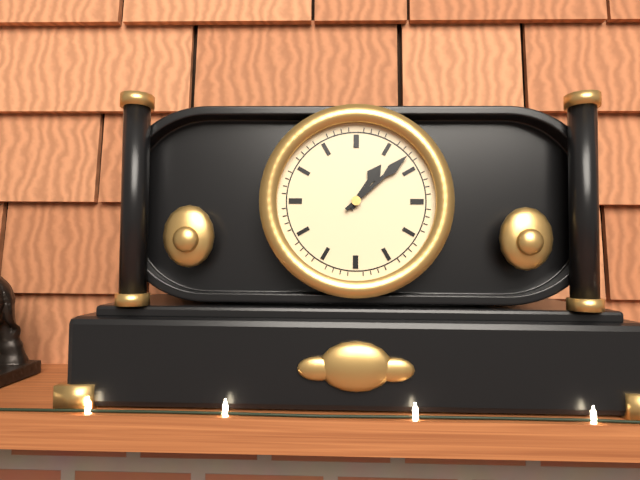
1:08
